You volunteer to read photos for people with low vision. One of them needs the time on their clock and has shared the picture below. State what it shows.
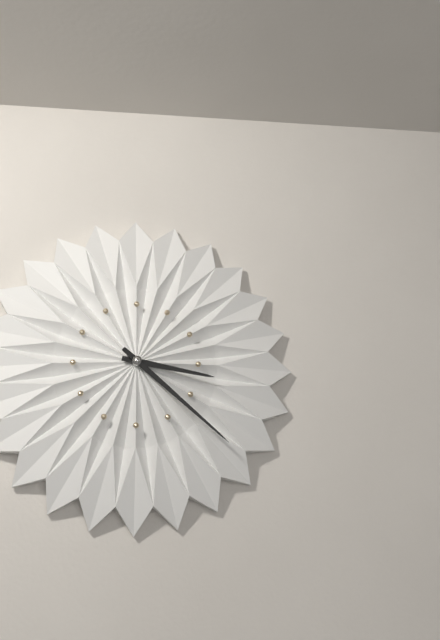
3:22
